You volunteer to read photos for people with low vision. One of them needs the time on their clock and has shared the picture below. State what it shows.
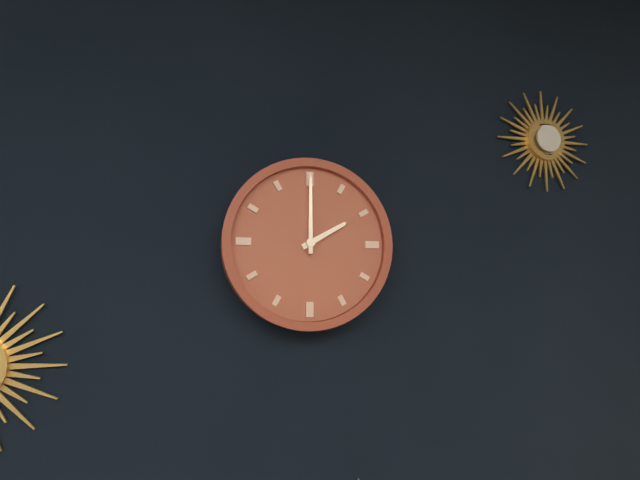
2:00
